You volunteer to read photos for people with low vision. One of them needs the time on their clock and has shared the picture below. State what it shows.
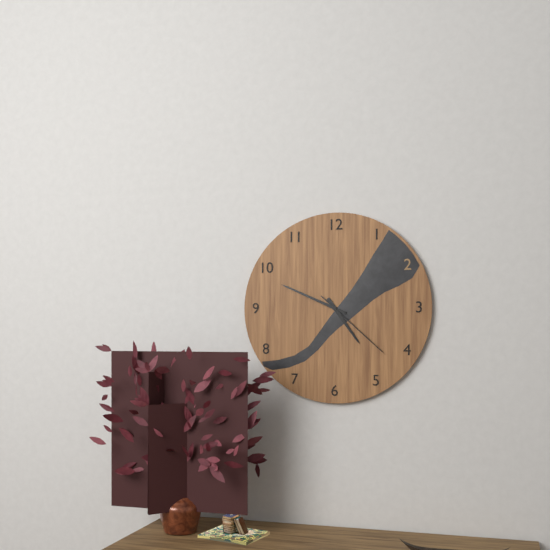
4:49:22
